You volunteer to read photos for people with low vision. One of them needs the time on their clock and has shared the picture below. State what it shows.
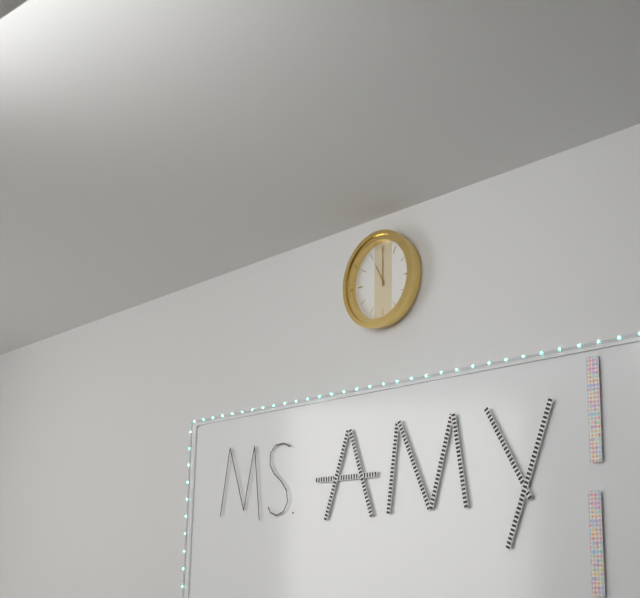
11:00
